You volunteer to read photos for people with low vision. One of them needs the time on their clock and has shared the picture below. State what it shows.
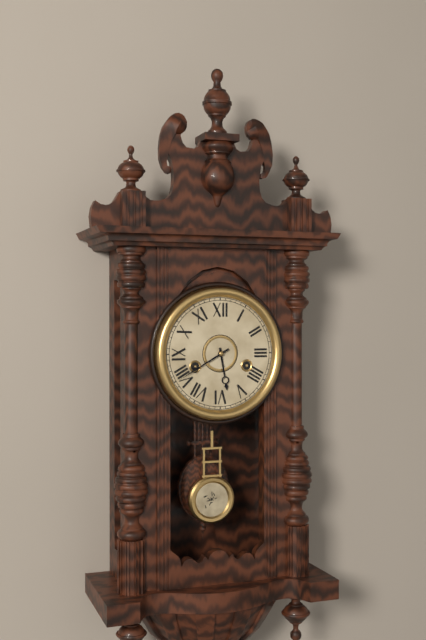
5:40
